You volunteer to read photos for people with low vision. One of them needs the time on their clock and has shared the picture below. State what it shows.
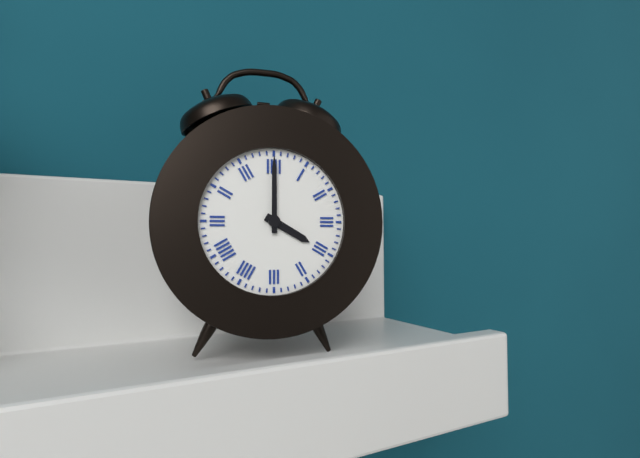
4:00
